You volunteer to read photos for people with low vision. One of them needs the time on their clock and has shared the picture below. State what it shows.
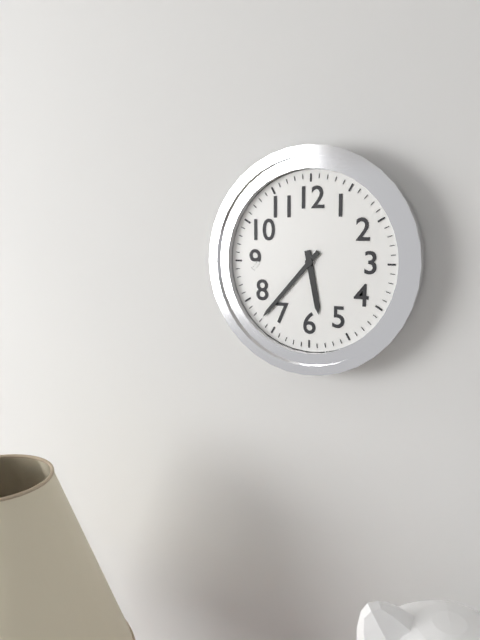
5:37
